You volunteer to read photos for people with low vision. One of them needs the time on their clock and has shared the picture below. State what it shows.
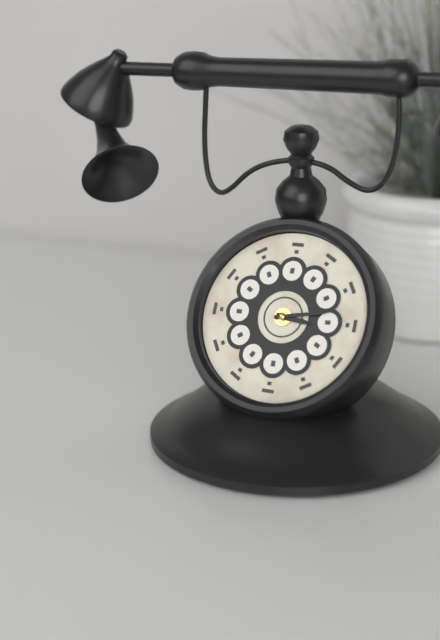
3:13
